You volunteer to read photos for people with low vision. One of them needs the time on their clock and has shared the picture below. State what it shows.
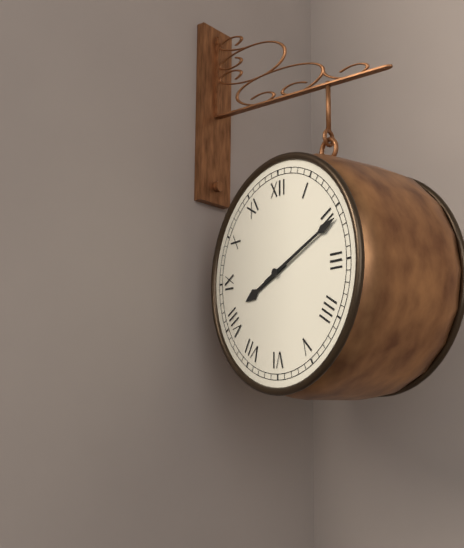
8:11
